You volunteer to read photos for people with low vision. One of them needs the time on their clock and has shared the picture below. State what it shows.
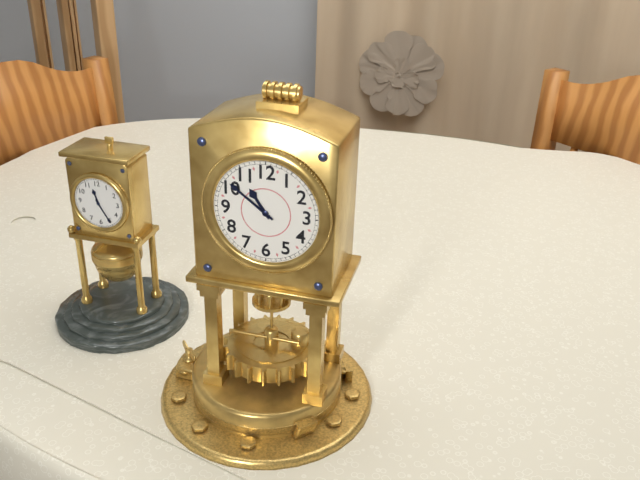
10:51
